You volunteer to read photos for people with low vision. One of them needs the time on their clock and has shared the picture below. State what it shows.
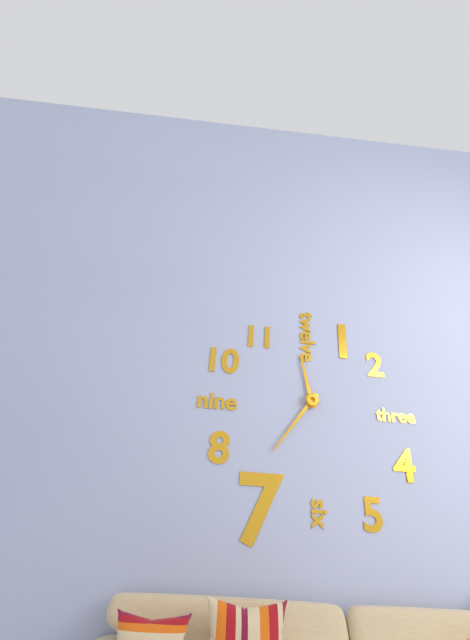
11:36
